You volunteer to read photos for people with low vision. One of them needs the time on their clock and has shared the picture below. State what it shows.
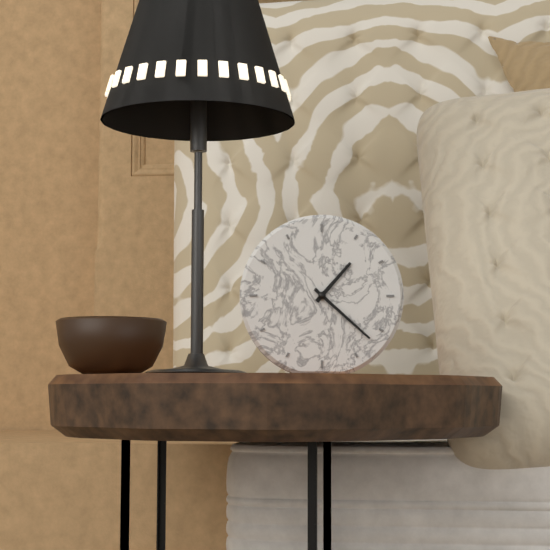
1:22
